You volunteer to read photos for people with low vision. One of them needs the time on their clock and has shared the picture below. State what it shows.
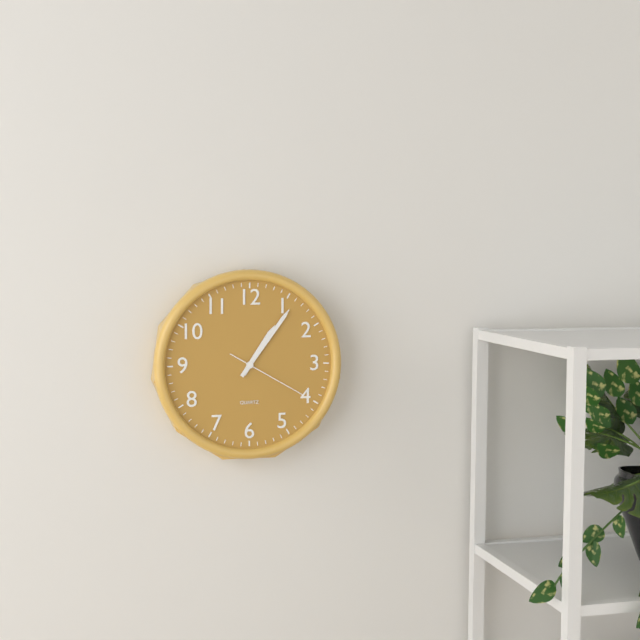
1:06:20
